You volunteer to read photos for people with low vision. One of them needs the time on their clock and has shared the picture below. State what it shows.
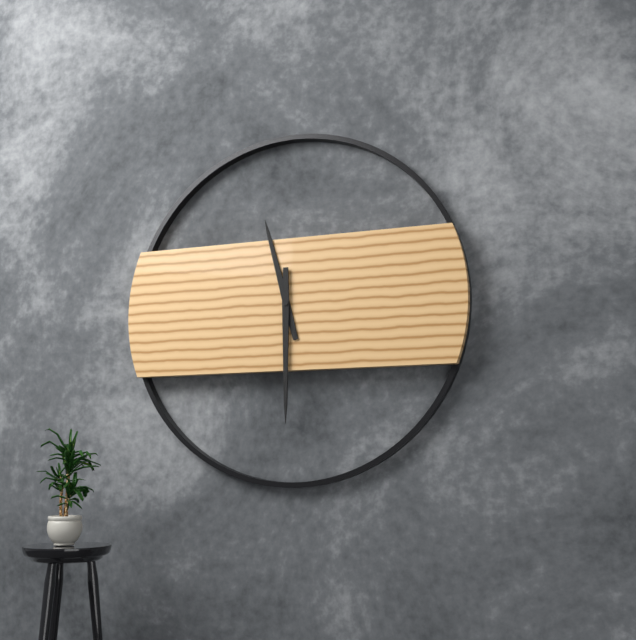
11:30
